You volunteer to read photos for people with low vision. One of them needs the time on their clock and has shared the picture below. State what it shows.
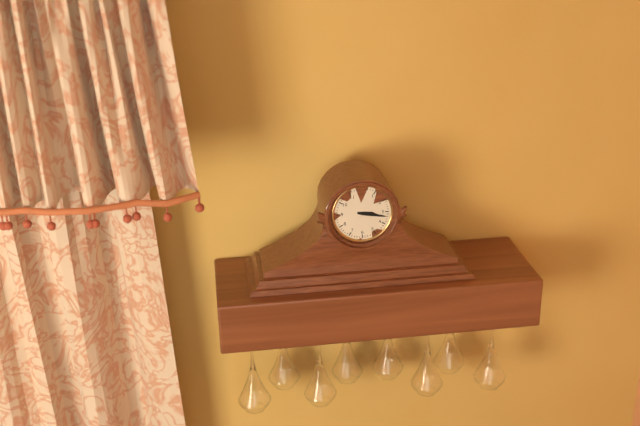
3:17
